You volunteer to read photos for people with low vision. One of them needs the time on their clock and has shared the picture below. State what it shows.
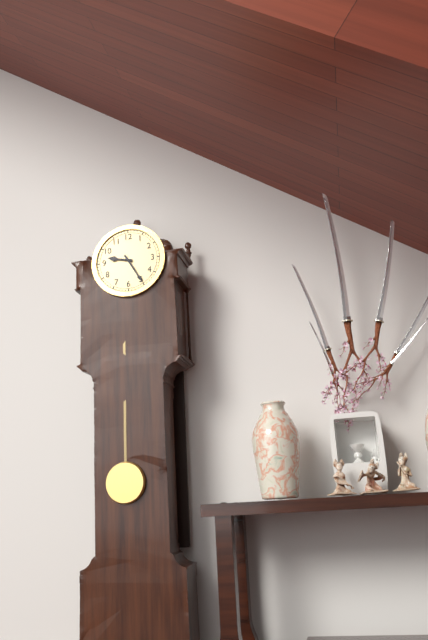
9:25
